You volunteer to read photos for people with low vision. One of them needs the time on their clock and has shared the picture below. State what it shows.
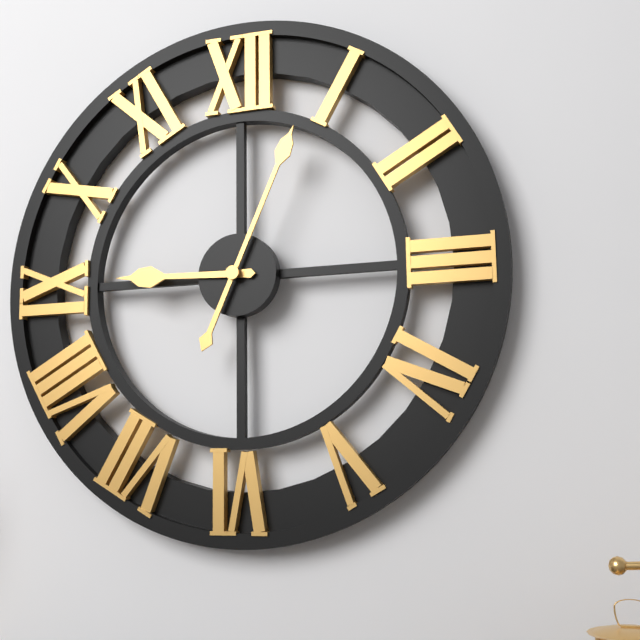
9:04
